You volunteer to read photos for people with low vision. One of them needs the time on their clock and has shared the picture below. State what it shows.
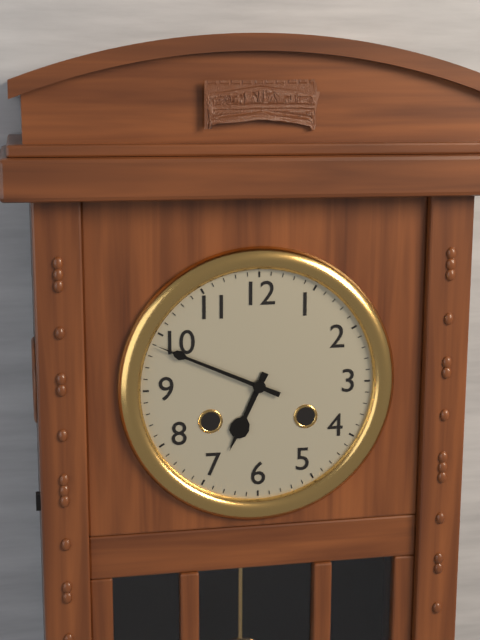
6:49
